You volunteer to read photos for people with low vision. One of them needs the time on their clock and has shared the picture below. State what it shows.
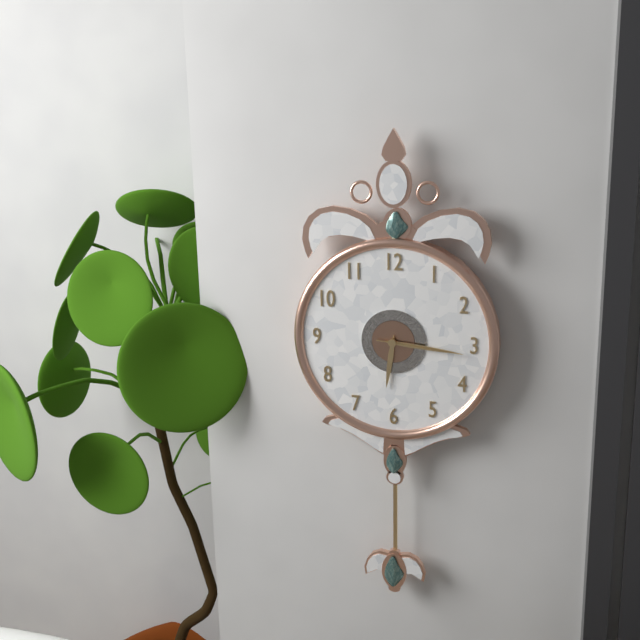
6:16:16
